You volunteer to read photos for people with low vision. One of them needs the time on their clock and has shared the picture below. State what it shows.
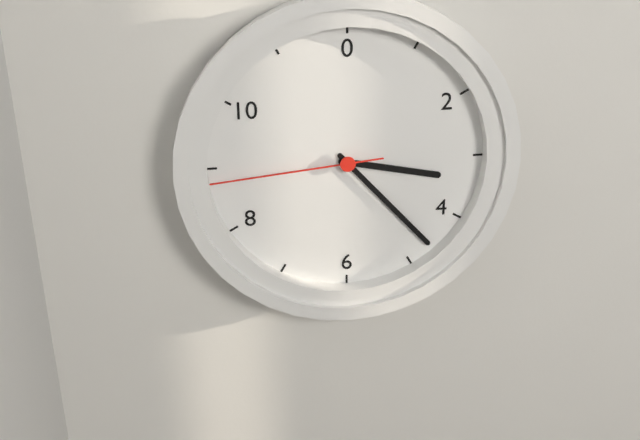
3:23:44
